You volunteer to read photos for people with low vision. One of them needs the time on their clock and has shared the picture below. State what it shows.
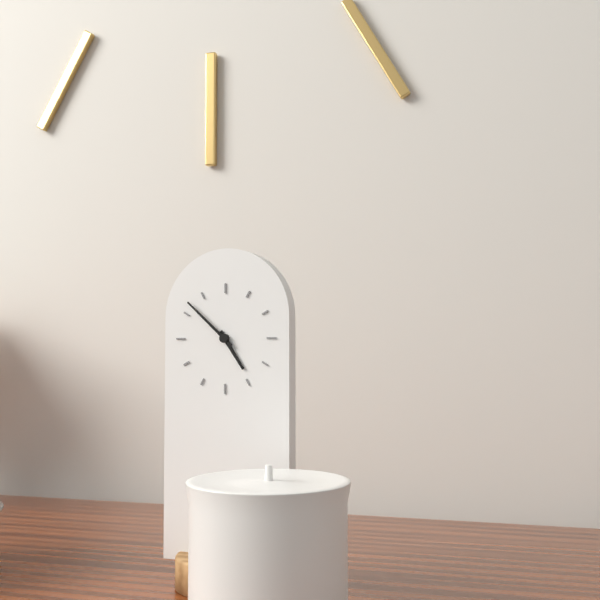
4:52
